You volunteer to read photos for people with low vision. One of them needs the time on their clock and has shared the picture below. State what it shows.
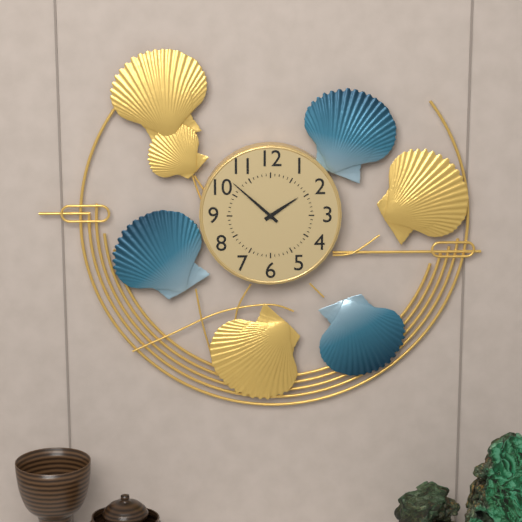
1:52
